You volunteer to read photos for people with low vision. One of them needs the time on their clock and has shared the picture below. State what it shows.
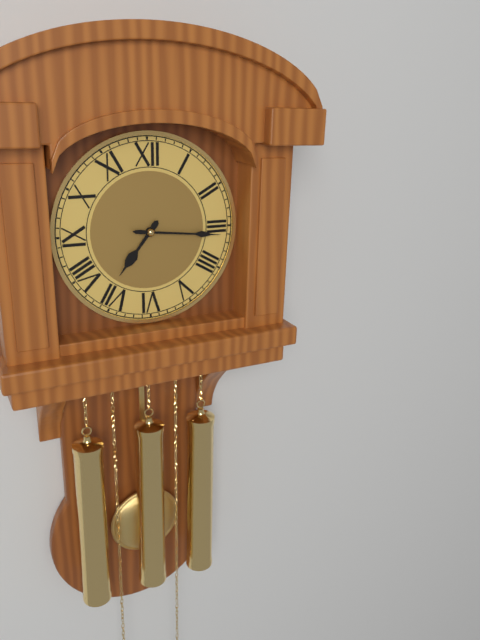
7:16
